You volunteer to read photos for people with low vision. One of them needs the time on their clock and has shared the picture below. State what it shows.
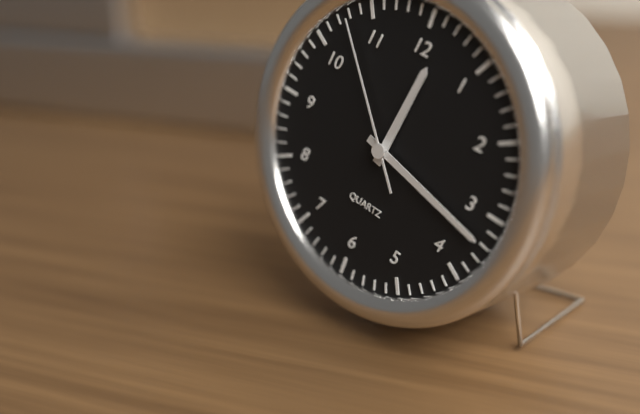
12:17:53
